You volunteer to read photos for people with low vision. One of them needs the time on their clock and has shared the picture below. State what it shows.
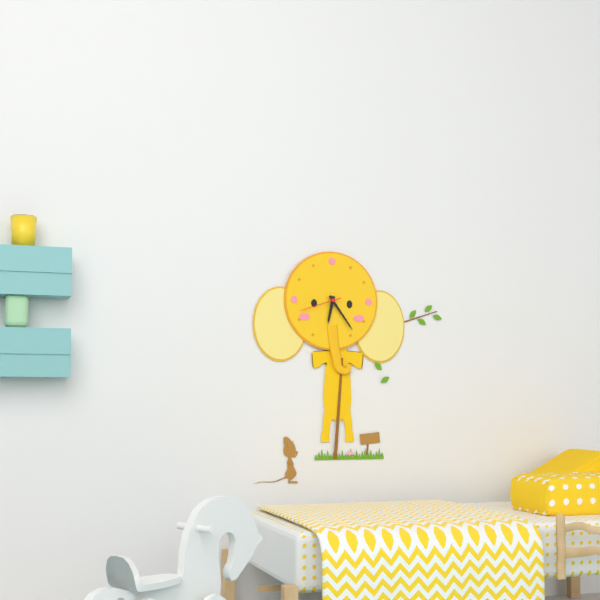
6:24
